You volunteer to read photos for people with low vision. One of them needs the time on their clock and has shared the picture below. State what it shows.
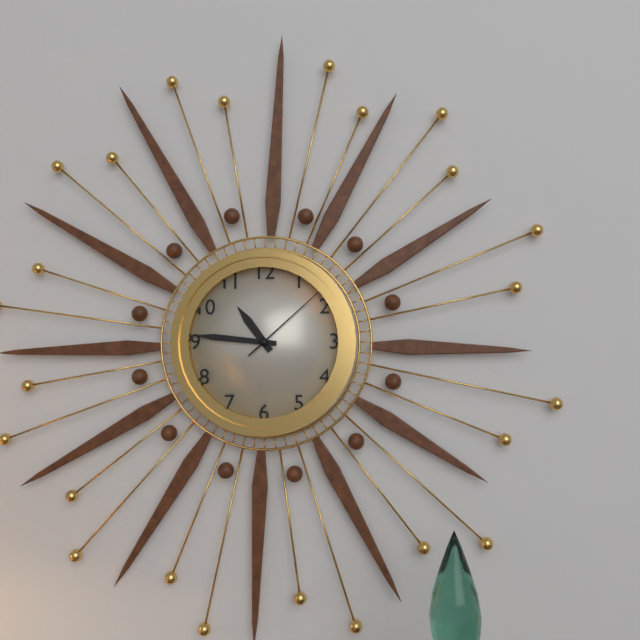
10:46:08
